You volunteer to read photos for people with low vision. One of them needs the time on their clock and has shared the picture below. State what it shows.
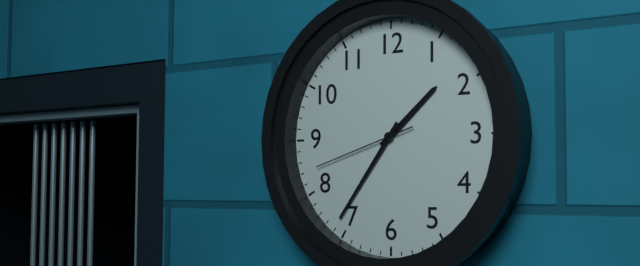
1:36:42
